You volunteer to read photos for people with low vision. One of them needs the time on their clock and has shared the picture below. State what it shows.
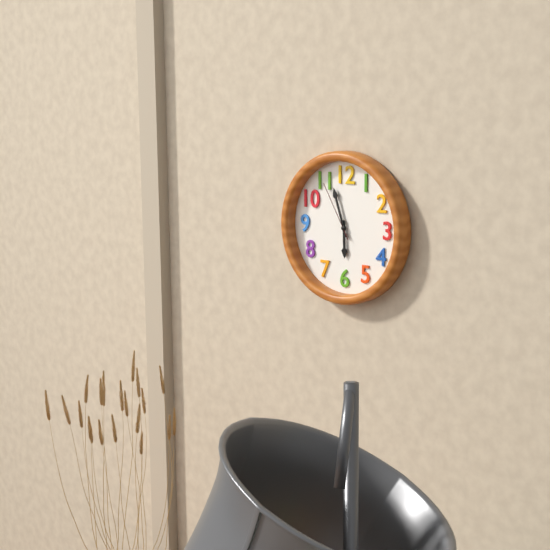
5:57:55
